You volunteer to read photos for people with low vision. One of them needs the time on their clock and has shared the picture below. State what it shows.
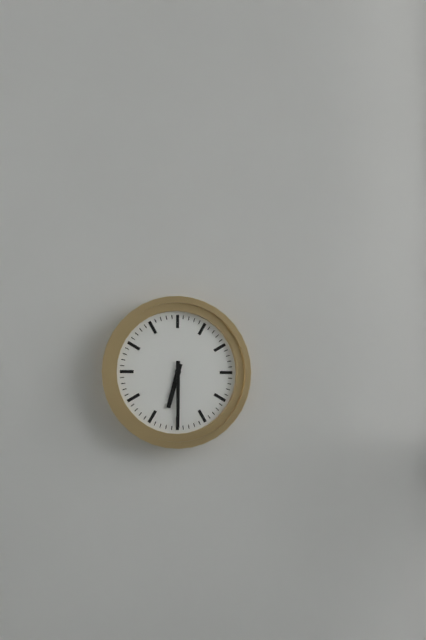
6:30
